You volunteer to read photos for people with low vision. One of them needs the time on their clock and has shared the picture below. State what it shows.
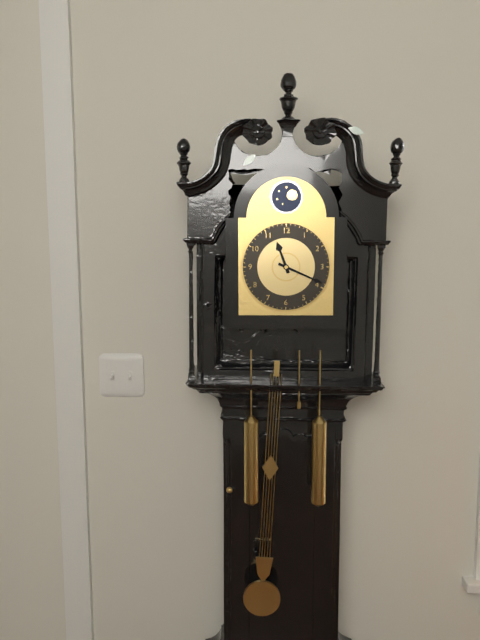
11:19
